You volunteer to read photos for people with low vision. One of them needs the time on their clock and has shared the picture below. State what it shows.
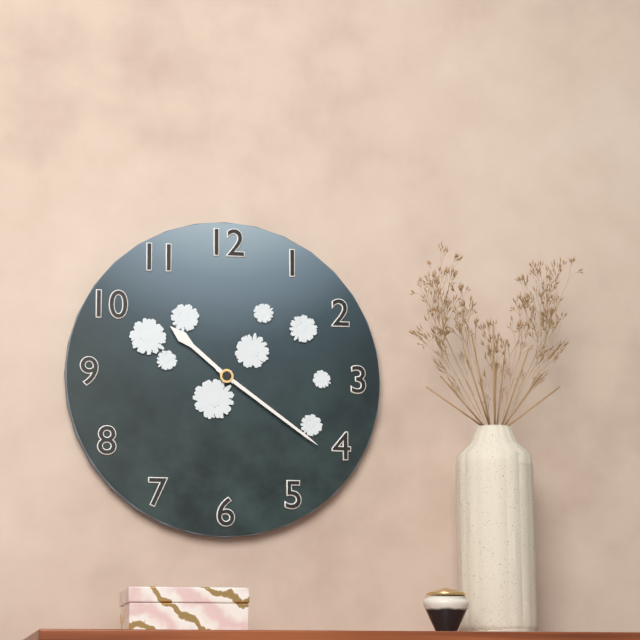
10:21
